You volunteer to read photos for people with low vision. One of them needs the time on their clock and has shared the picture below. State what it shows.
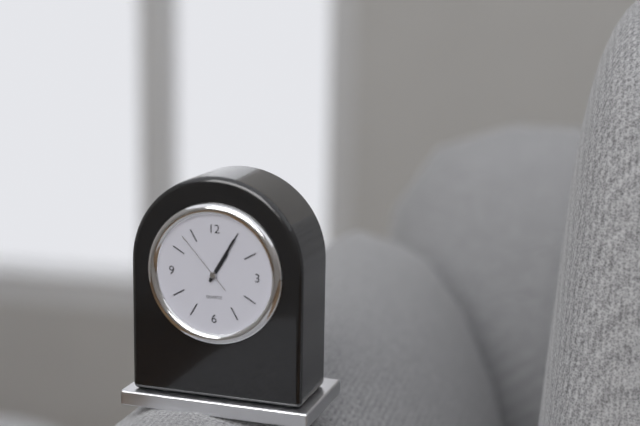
1:05:53
